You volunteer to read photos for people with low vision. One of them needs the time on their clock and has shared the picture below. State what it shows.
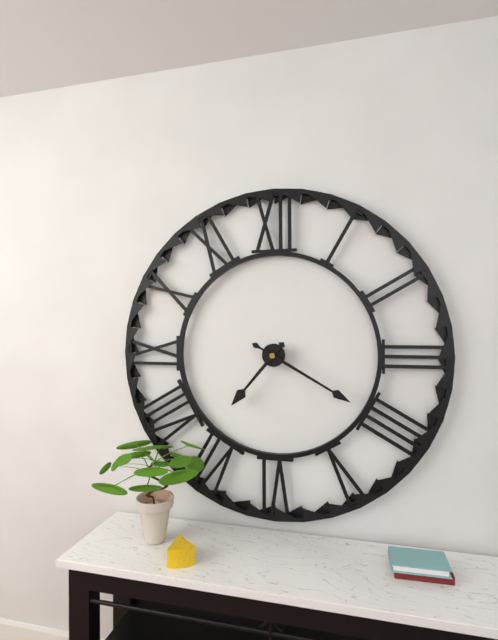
7:20
